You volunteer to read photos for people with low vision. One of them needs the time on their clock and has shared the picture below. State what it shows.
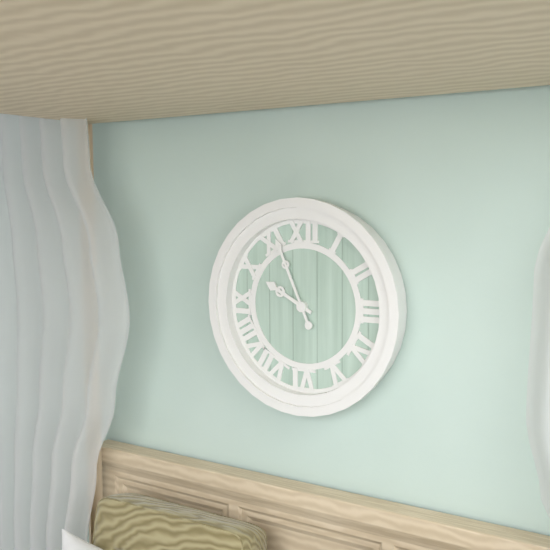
9:56
